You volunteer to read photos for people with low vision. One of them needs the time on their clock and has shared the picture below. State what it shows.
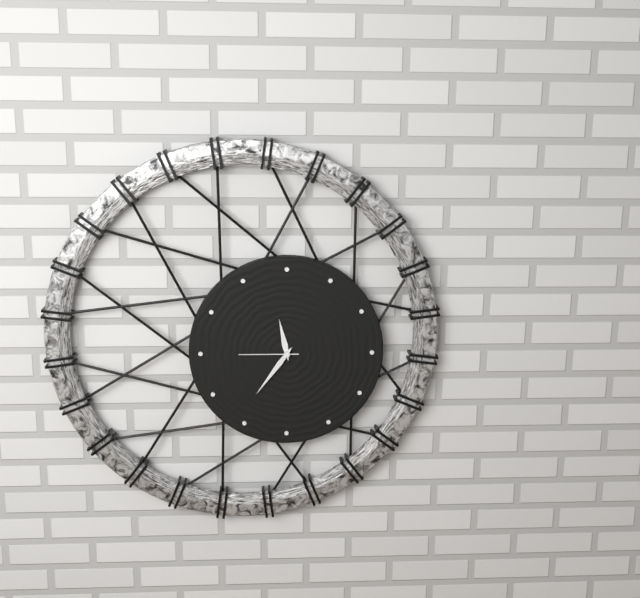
11:36:45
